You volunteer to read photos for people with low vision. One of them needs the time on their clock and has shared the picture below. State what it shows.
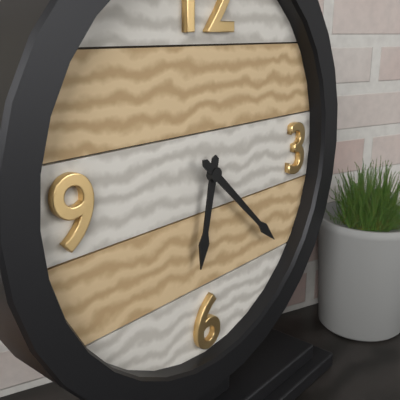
6:22
